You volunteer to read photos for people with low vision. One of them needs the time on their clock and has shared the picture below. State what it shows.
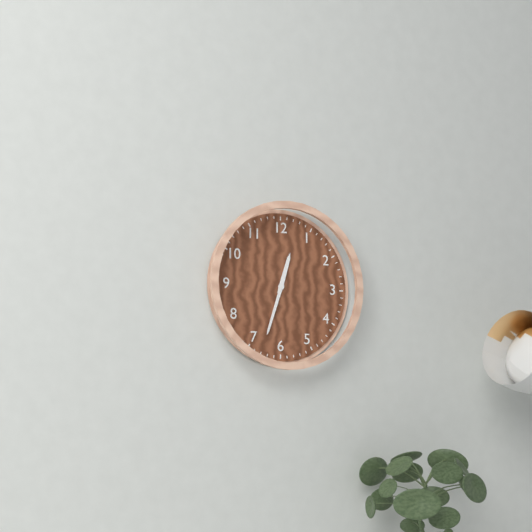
12:33
